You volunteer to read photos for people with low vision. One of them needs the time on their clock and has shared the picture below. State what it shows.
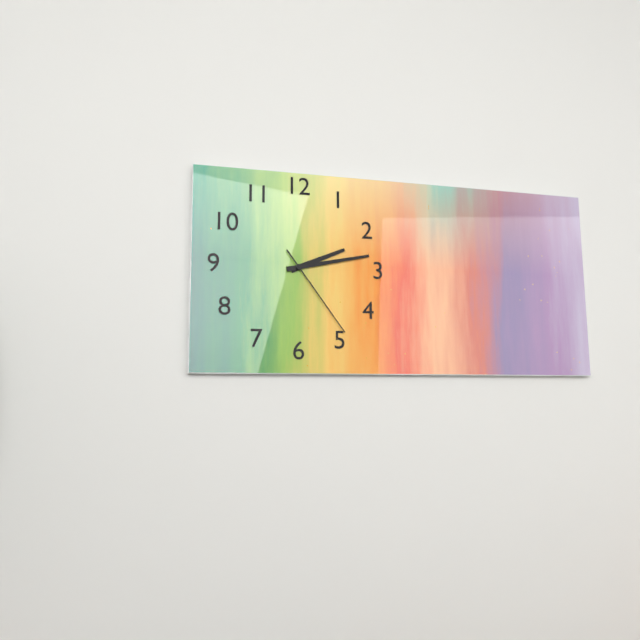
2:13:24
